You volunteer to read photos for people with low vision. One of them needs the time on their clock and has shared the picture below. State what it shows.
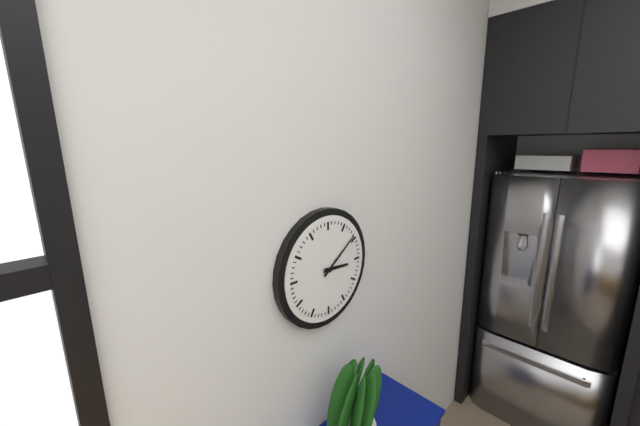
3:09
